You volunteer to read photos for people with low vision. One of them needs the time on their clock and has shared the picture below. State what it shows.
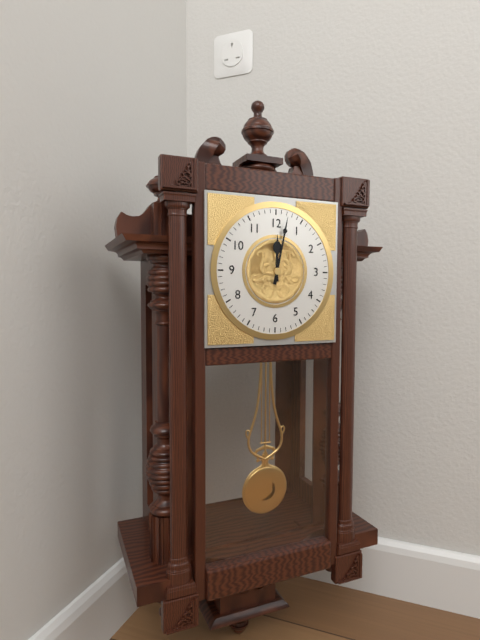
12:02
